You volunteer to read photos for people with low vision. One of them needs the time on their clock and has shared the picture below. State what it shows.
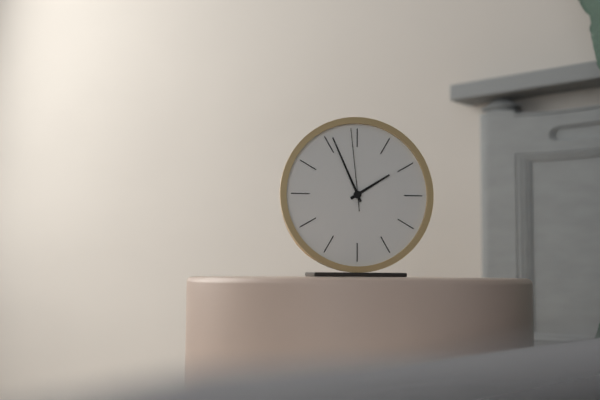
1:56:59
